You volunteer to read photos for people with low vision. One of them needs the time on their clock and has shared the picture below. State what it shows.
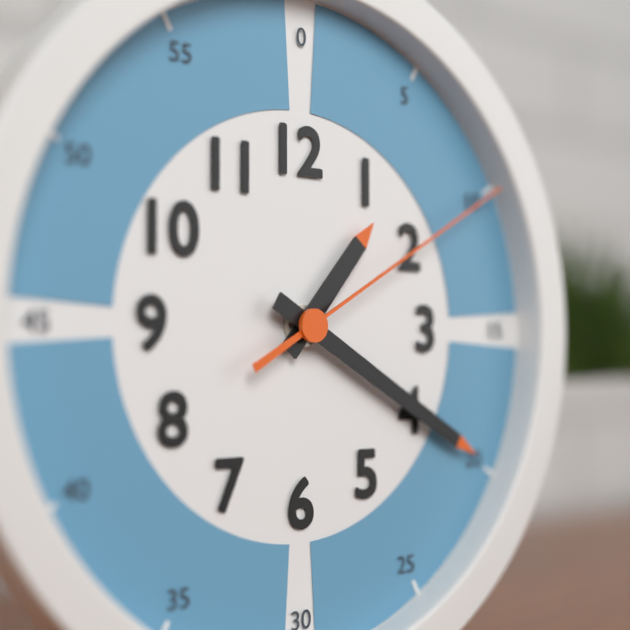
1:20:10
